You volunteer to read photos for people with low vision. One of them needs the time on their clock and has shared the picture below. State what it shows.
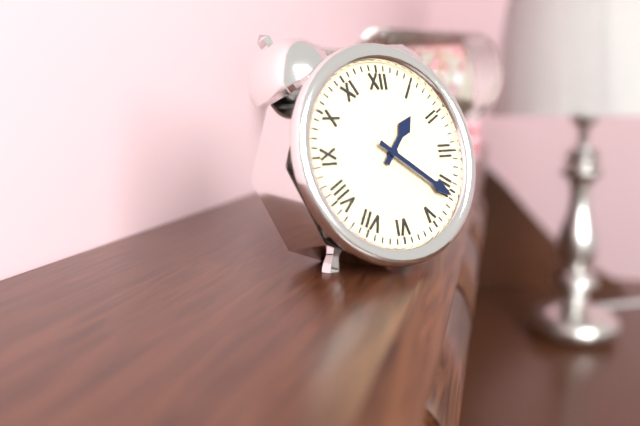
1:21
